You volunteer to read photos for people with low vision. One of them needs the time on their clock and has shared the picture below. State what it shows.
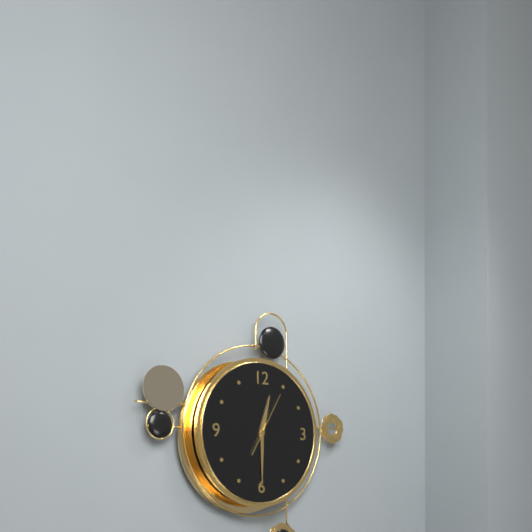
12:30:05
